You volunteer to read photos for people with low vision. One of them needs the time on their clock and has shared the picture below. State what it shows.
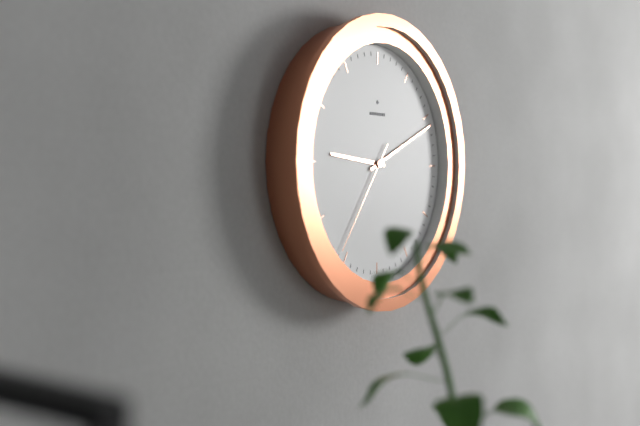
9:11:36
